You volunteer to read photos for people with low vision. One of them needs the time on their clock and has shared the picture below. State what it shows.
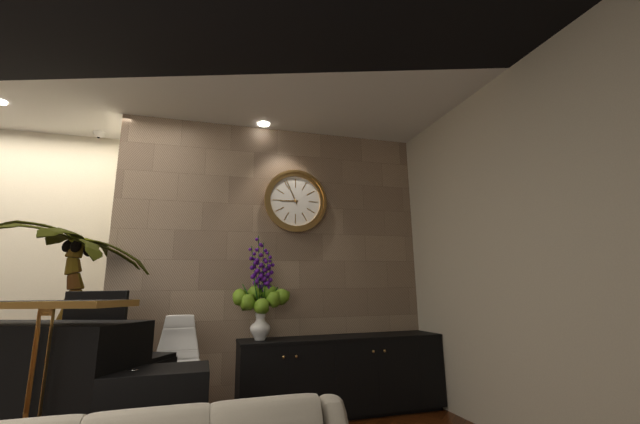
8:56
